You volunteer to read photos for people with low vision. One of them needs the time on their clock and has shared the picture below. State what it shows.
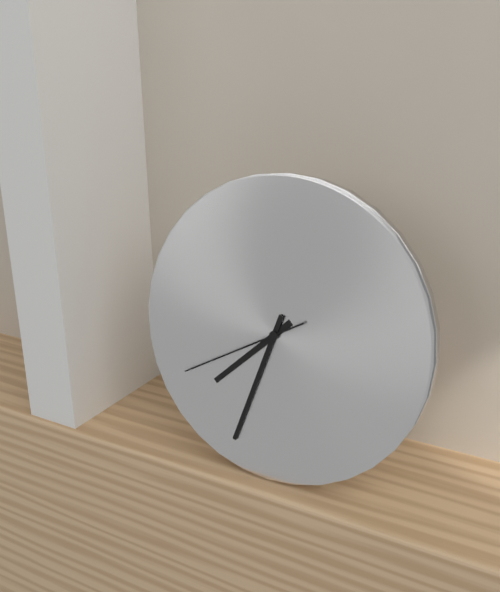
7:33:40
